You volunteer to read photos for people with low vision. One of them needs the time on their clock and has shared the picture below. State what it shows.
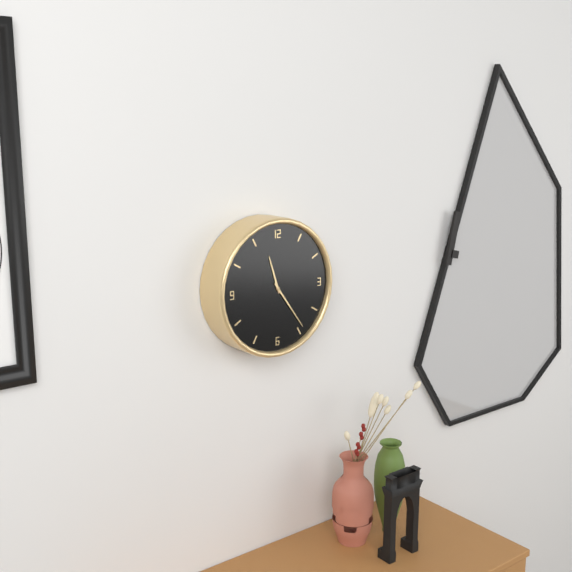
11:24
